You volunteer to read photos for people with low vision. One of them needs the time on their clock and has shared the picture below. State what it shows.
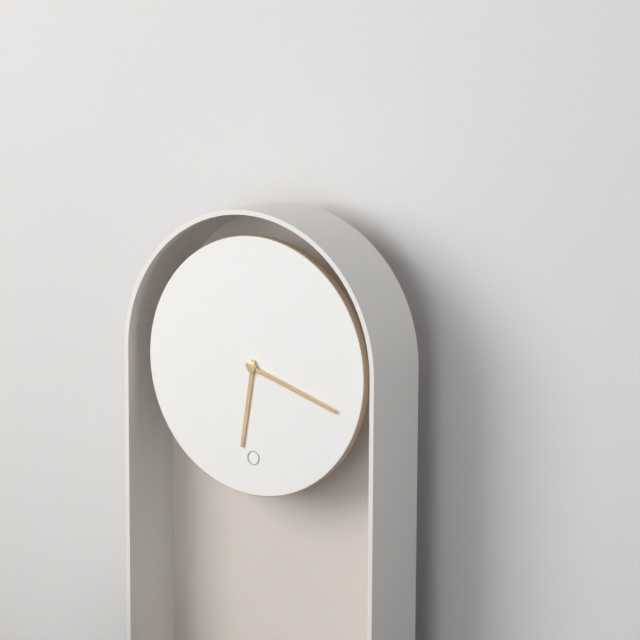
6:18
